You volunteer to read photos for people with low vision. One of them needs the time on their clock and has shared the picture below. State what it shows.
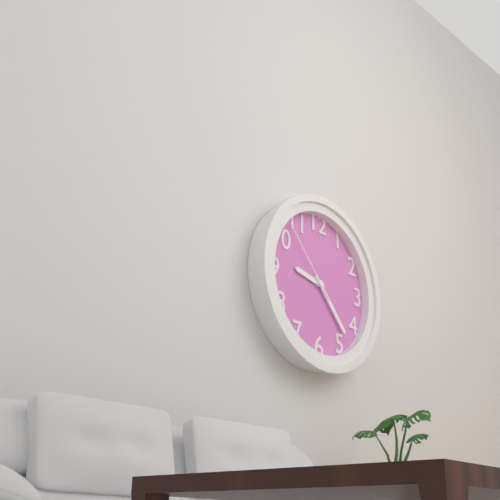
9:23:53
